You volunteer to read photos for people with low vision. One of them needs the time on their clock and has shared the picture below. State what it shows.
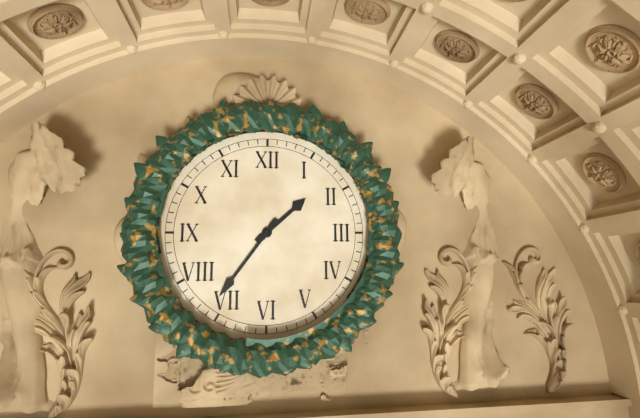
1:36
